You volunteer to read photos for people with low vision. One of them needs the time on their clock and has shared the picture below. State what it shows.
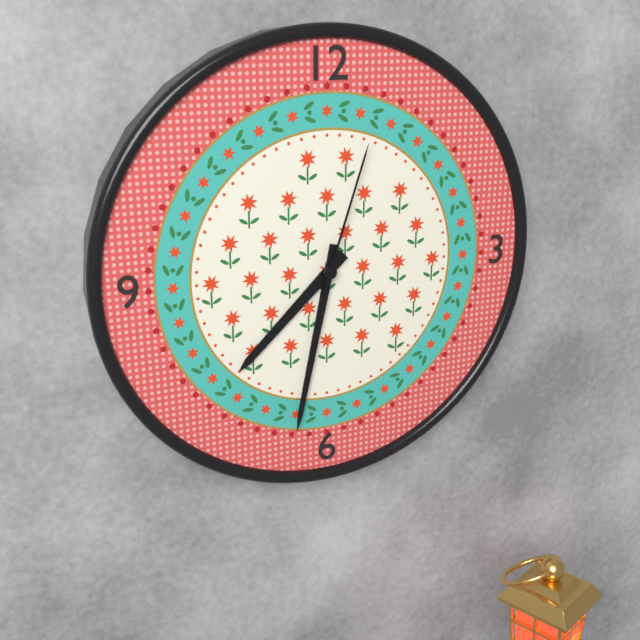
7:32:03
